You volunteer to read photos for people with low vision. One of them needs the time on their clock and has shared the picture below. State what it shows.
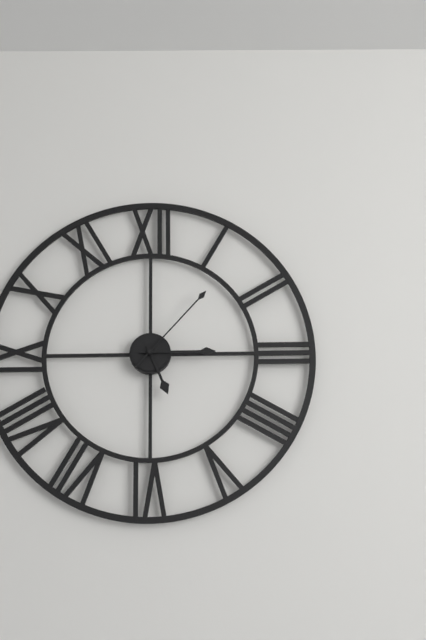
5:15:07
